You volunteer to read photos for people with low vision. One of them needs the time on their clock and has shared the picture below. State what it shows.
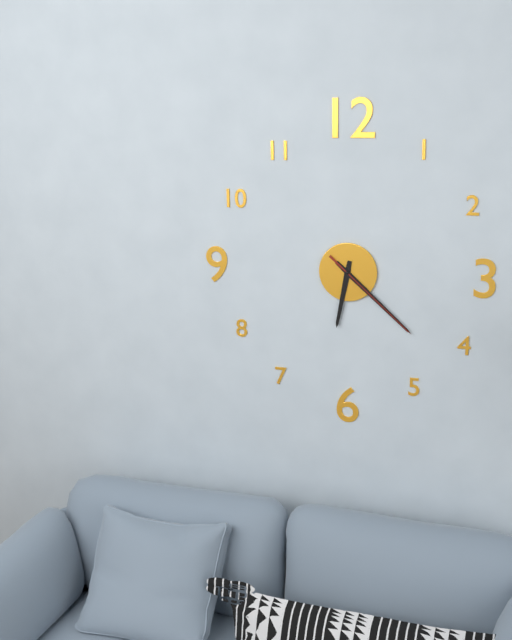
6:22:22
